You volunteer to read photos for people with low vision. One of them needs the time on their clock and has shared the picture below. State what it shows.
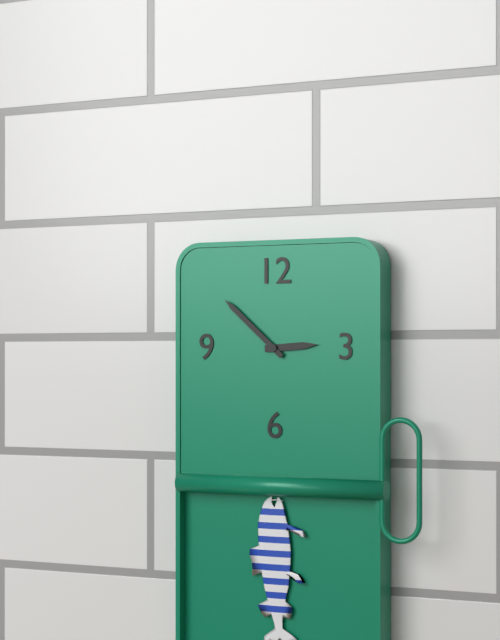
2:52
